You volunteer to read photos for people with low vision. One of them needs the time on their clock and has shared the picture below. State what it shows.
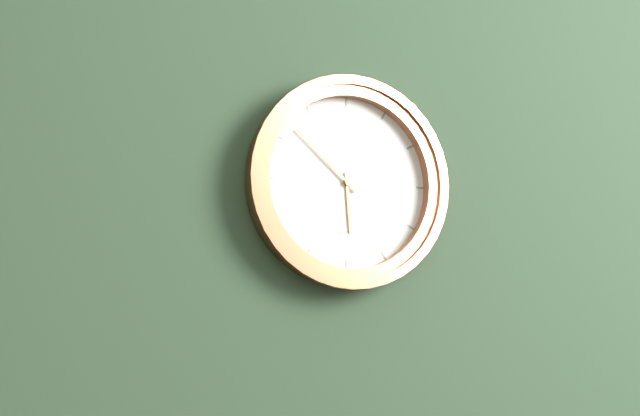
5:52
